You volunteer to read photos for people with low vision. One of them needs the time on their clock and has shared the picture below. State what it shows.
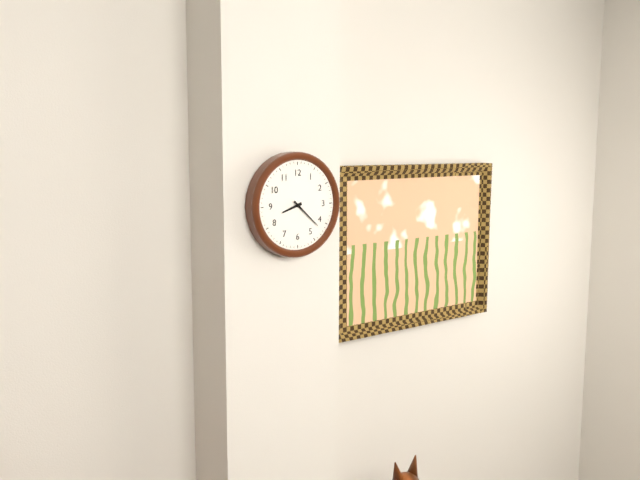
8:22
